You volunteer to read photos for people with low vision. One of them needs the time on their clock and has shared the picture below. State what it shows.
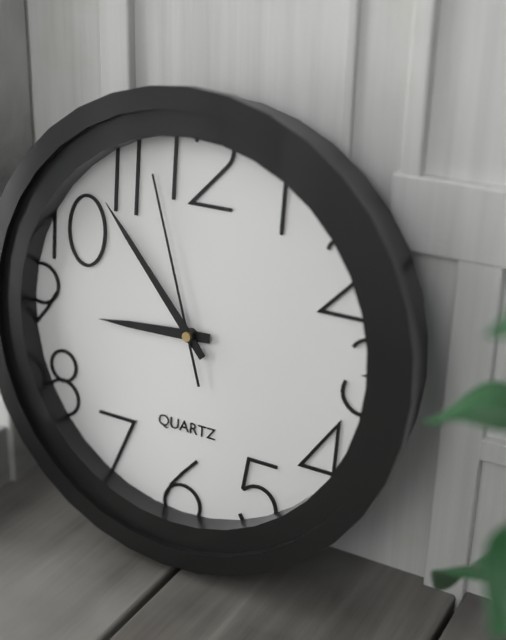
8:53:57
